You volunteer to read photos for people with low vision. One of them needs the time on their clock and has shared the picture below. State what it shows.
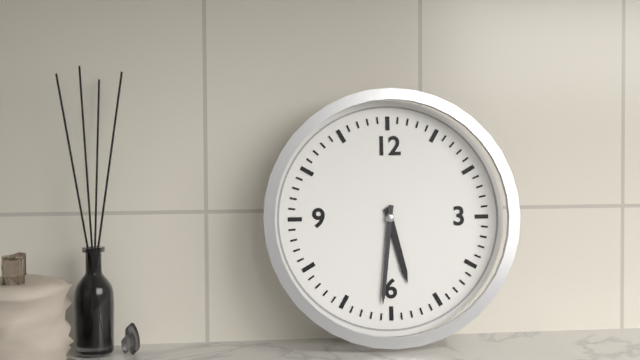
5:31
